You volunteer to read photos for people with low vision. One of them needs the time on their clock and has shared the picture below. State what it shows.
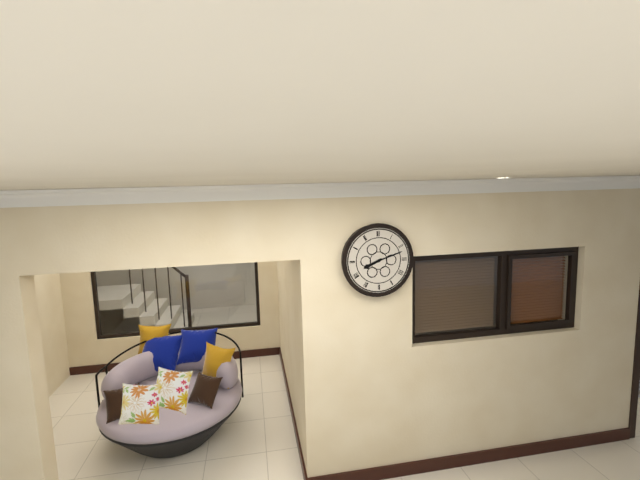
8:12
